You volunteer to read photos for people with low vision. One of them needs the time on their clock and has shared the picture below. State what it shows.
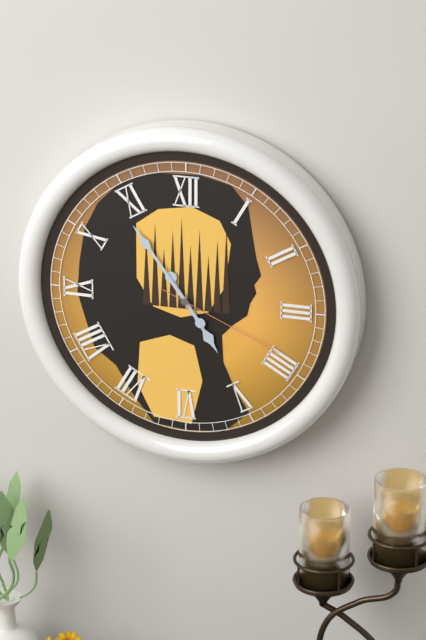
4:54:19
